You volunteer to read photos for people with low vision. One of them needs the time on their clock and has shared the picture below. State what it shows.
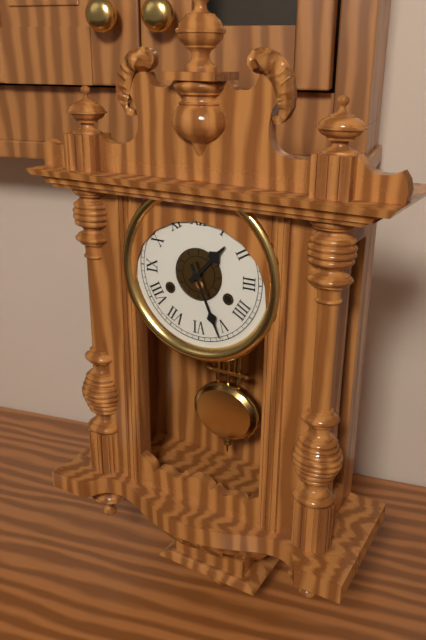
1:26
